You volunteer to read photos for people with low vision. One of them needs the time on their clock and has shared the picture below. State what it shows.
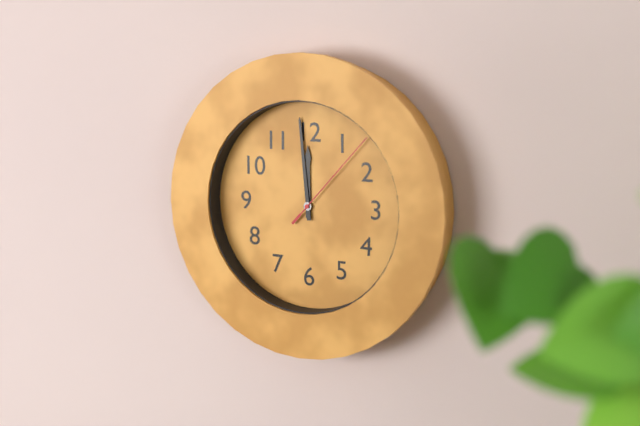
11:59:07
